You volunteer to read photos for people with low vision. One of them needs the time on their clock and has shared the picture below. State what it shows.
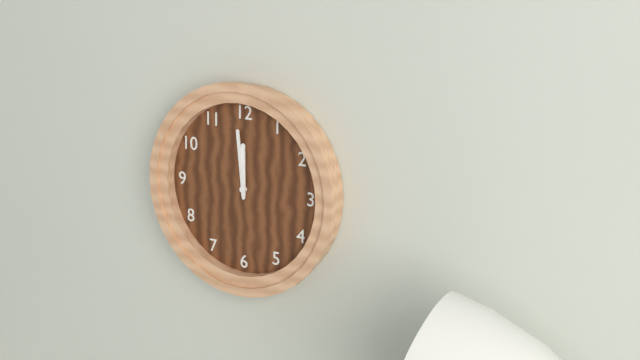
11:59
